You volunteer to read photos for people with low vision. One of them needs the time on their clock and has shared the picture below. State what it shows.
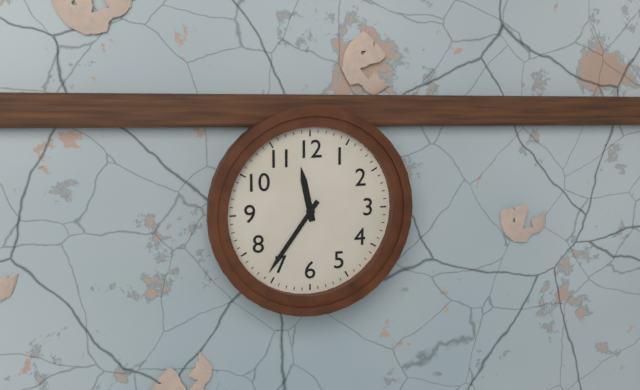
11:36
